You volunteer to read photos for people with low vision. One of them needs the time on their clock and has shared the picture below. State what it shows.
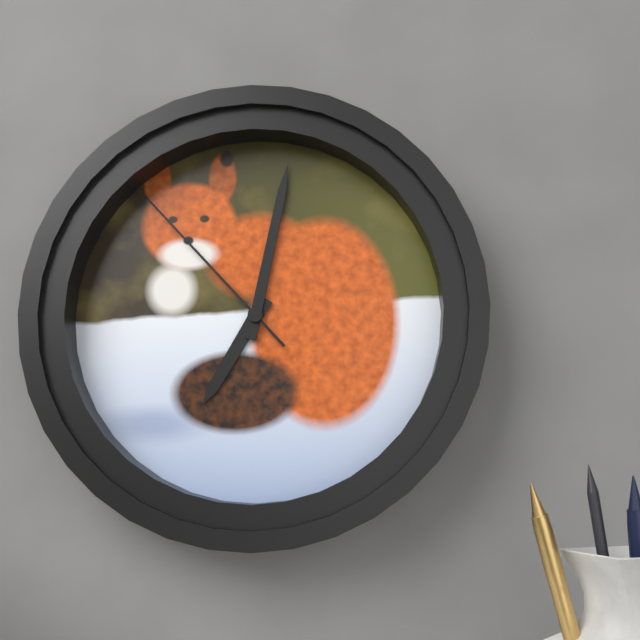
7:02:53
